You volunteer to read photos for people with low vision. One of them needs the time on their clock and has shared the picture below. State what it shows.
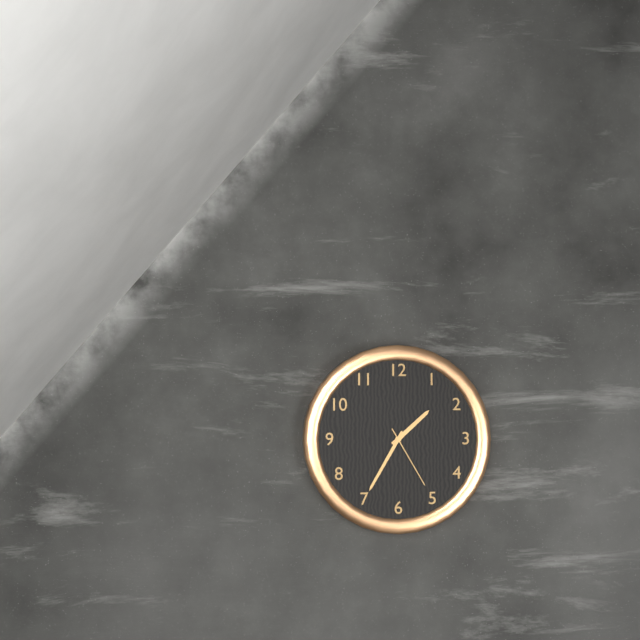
1:35:25
